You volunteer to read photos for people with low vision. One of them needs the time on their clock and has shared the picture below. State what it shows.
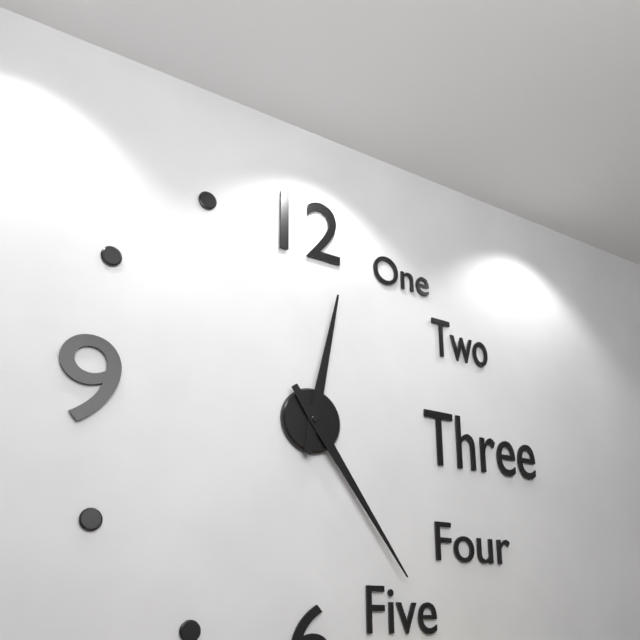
12:24
